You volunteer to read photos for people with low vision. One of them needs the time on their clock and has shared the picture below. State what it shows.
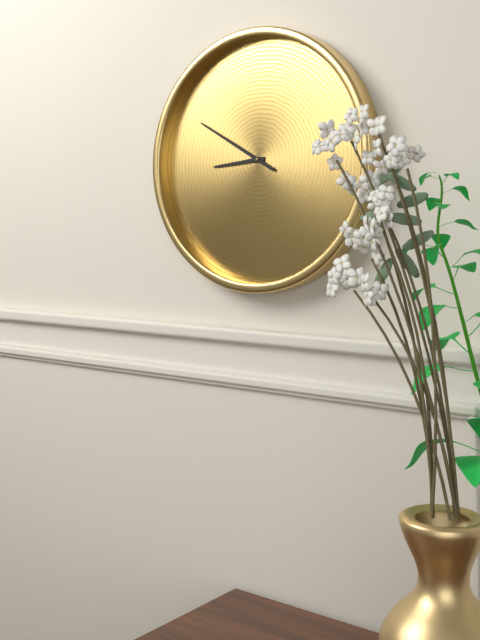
8:50
